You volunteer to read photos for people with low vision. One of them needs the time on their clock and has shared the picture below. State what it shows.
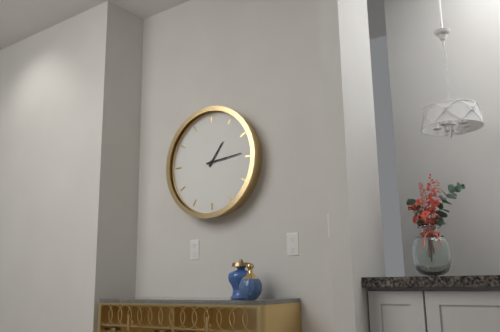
1:14
